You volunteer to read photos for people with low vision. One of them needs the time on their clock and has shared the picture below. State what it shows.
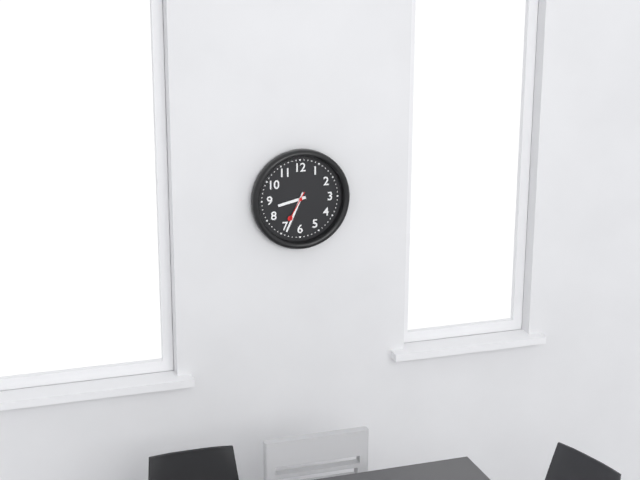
8:34
